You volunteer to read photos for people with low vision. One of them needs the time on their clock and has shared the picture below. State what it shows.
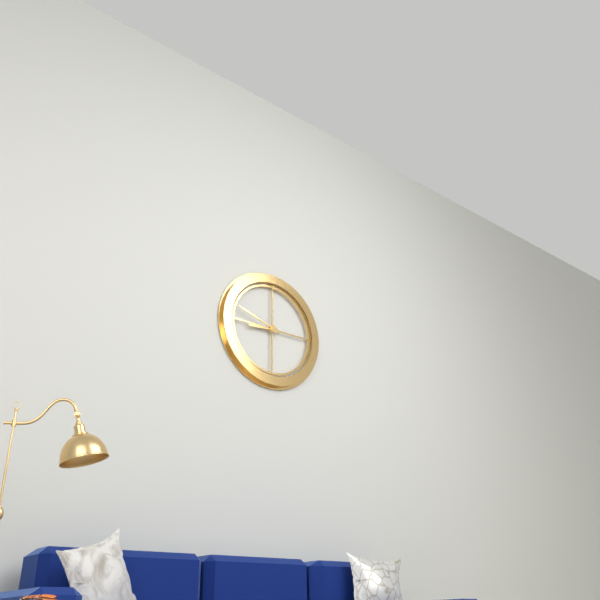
8:48
